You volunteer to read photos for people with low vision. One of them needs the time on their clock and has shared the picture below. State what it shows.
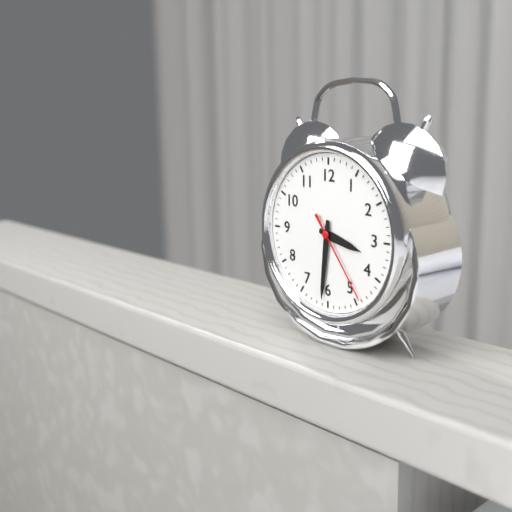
3:31:24
